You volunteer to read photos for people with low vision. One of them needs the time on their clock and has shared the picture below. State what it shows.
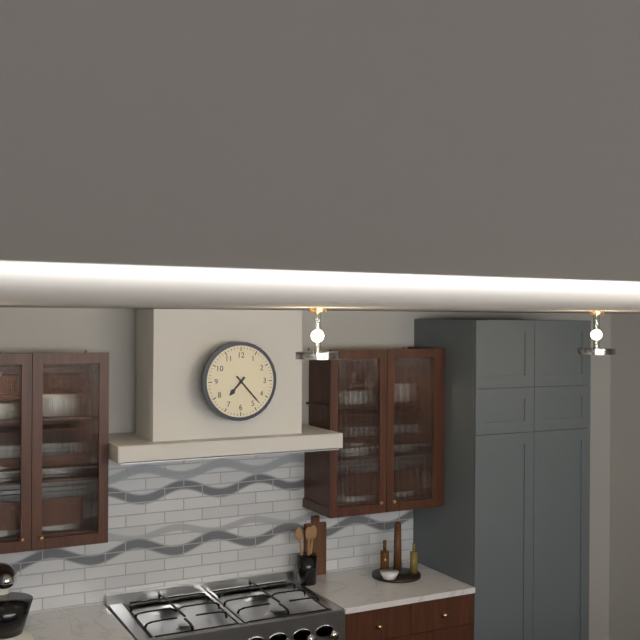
7:23
